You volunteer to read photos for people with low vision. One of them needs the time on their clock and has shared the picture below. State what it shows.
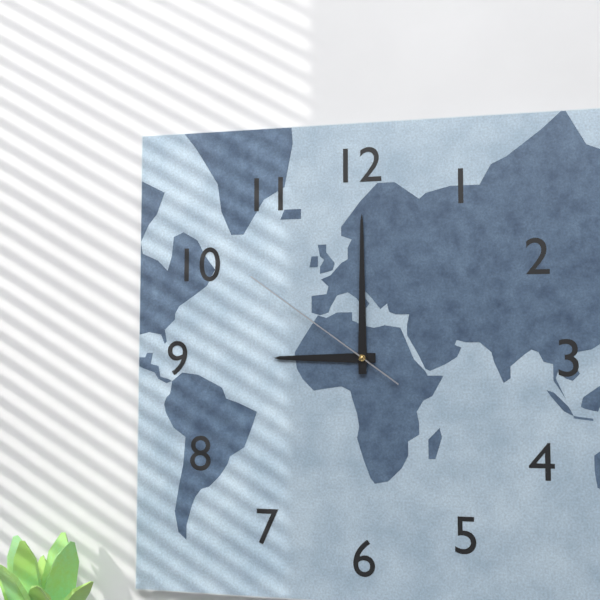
9:00:51
